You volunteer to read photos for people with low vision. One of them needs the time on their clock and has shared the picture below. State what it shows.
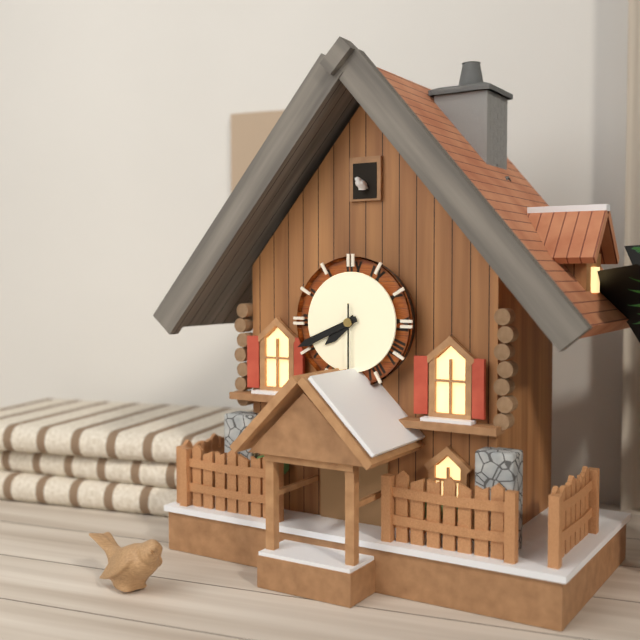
7:41
